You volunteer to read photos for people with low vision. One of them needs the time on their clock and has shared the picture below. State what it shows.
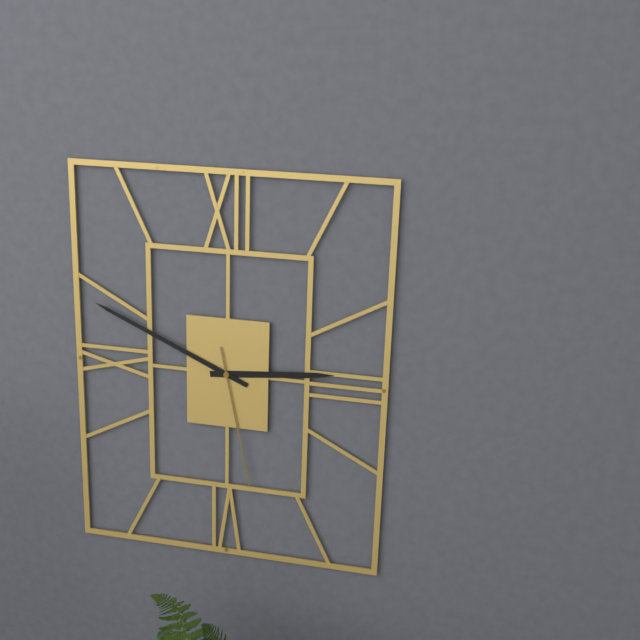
2:49:28
